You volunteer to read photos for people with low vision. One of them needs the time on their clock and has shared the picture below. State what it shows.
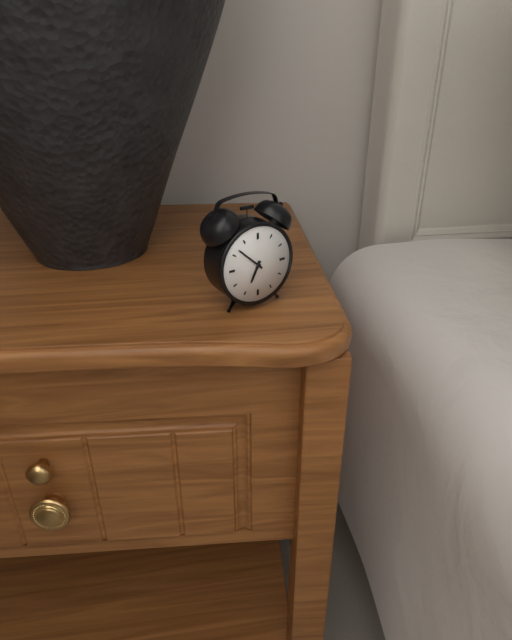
6:52
